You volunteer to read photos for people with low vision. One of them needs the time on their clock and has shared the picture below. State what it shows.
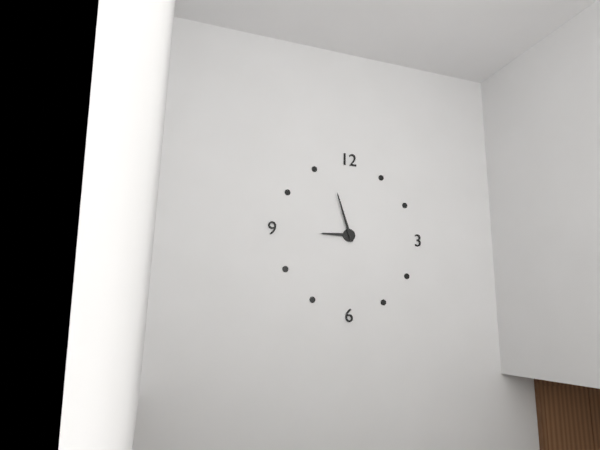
8:57
